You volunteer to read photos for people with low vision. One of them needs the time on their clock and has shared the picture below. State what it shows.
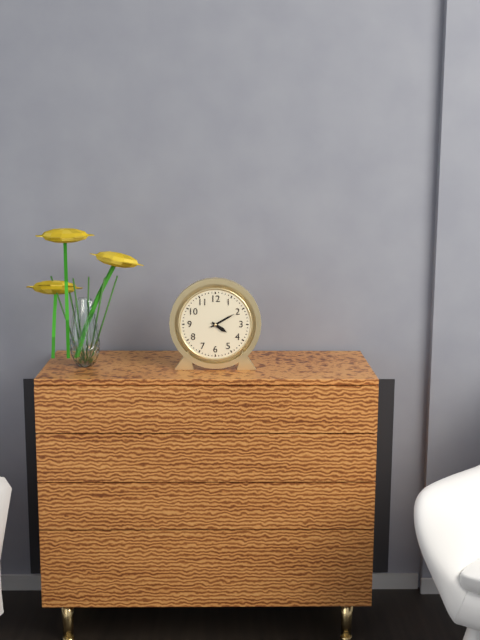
4:10
